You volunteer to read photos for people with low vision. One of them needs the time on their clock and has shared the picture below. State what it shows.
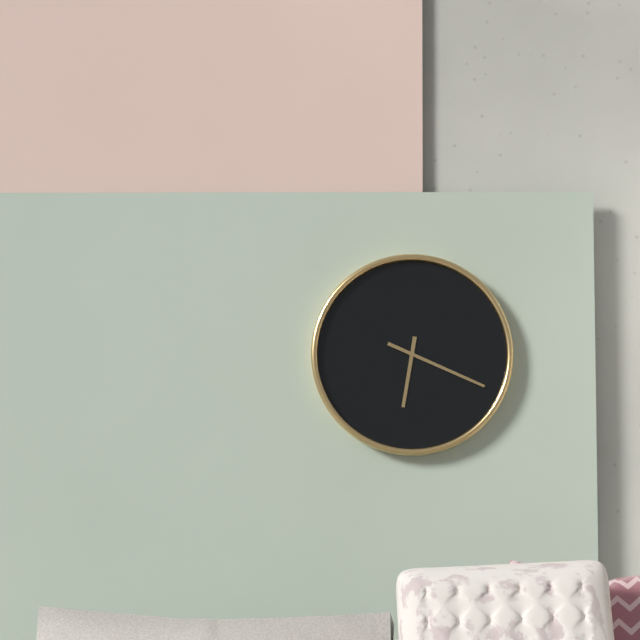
6:19
